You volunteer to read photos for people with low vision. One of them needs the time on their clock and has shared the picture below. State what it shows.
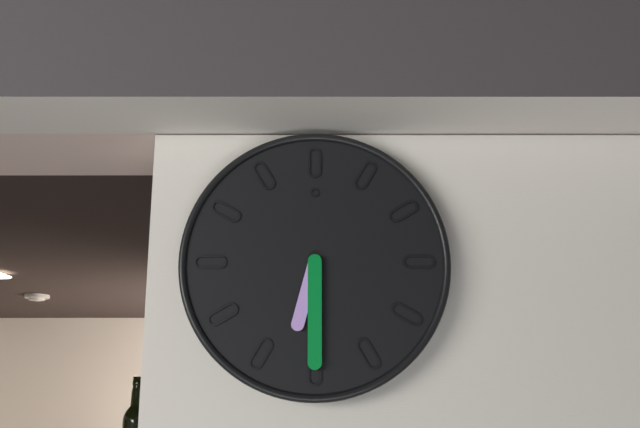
6:30
